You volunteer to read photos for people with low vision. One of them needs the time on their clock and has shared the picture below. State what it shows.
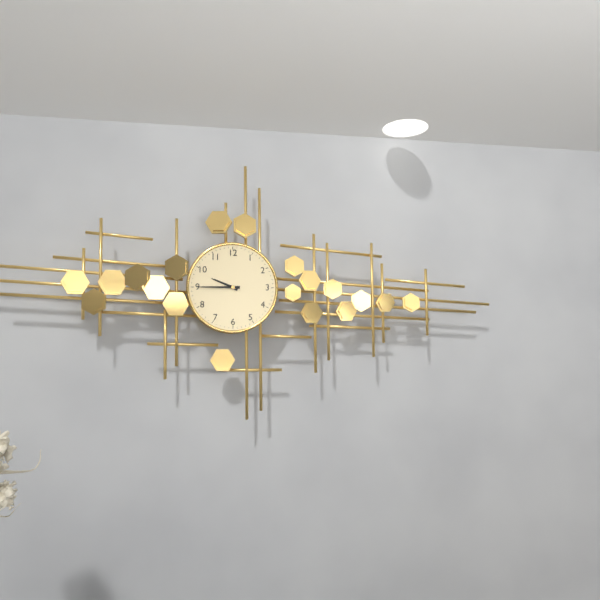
9:45
